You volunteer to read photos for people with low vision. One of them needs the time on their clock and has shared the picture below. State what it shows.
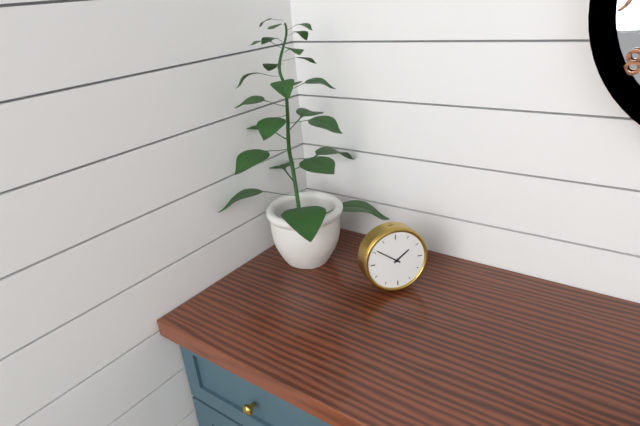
1:51
